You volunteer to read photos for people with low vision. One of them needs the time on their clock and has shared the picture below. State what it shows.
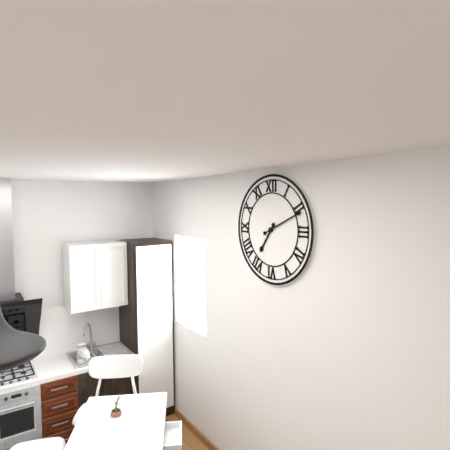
7:11
